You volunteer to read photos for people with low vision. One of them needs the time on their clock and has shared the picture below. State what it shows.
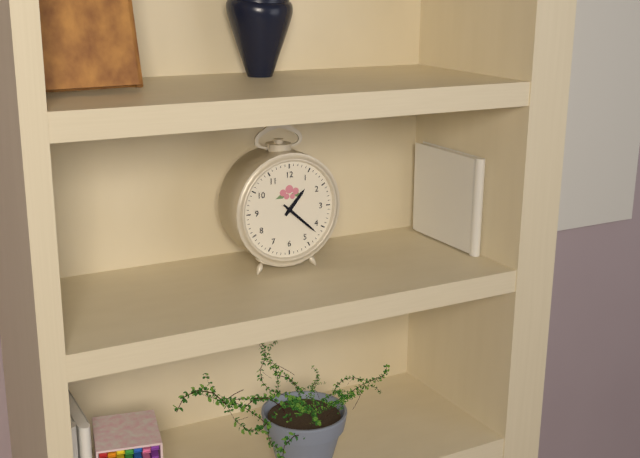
1:22
